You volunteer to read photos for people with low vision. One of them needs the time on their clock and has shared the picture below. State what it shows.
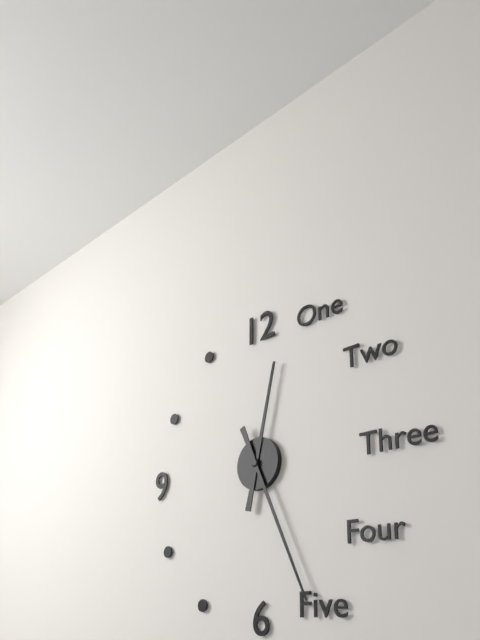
12:26
